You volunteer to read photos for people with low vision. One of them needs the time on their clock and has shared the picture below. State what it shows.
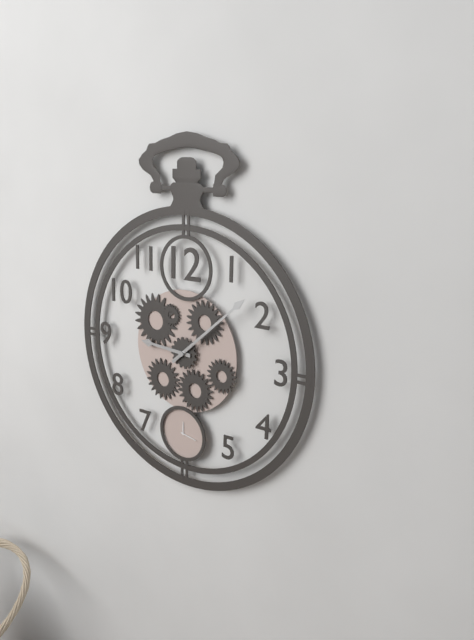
9:08
